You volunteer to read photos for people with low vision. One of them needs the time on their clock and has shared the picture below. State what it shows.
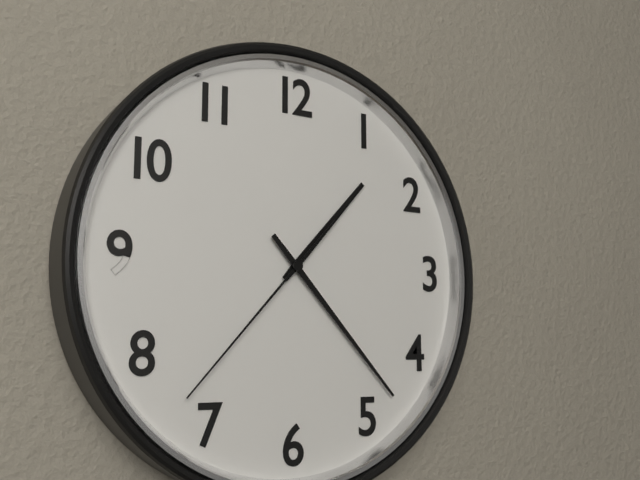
1:23:37
